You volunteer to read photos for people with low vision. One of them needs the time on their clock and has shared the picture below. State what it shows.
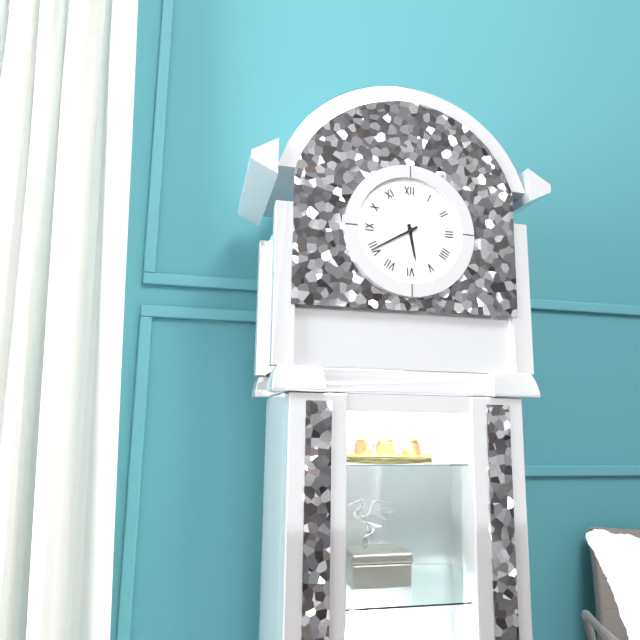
5:40
